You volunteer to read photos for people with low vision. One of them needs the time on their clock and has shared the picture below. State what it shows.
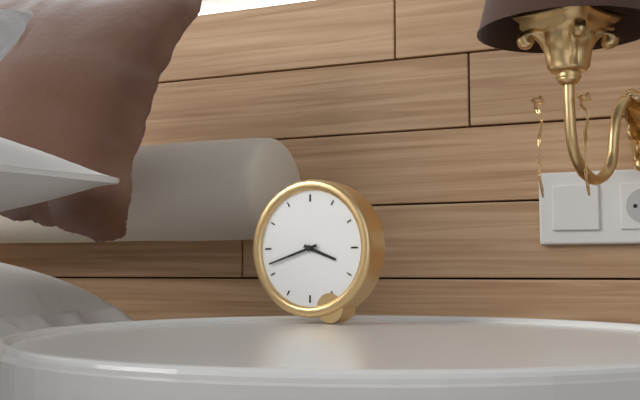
3:42
